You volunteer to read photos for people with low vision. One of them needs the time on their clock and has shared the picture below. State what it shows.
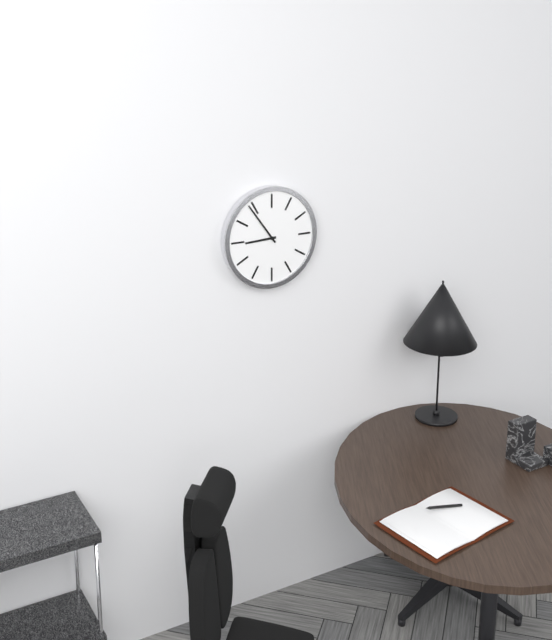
8:54
